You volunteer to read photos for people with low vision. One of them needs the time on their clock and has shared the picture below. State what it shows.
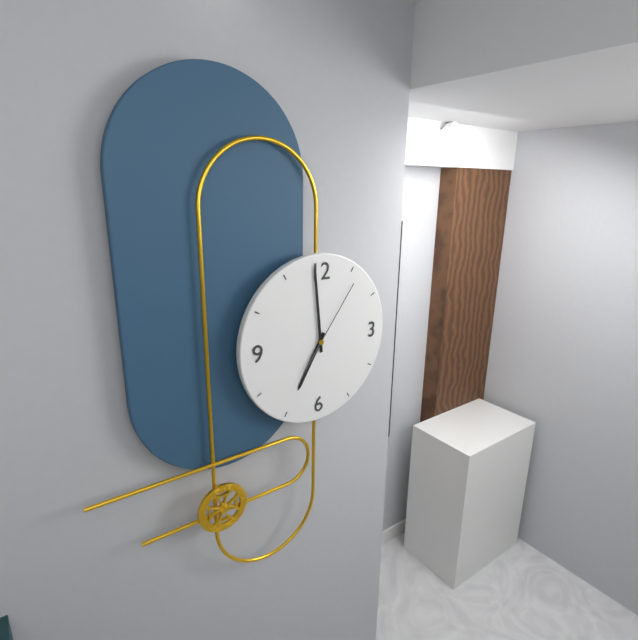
6:59:06
